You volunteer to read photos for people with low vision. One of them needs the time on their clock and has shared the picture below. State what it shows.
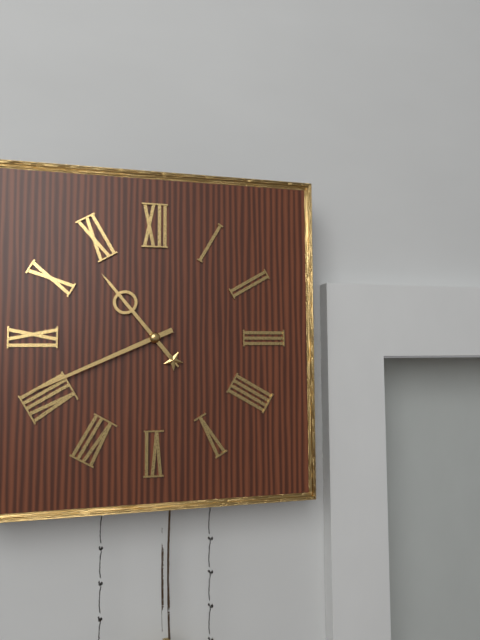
10:41
